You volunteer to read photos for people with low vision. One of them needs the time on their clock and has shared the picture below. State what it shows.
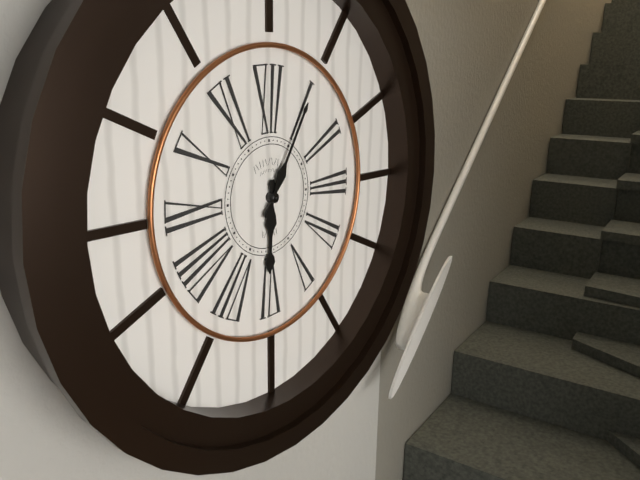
6:05
